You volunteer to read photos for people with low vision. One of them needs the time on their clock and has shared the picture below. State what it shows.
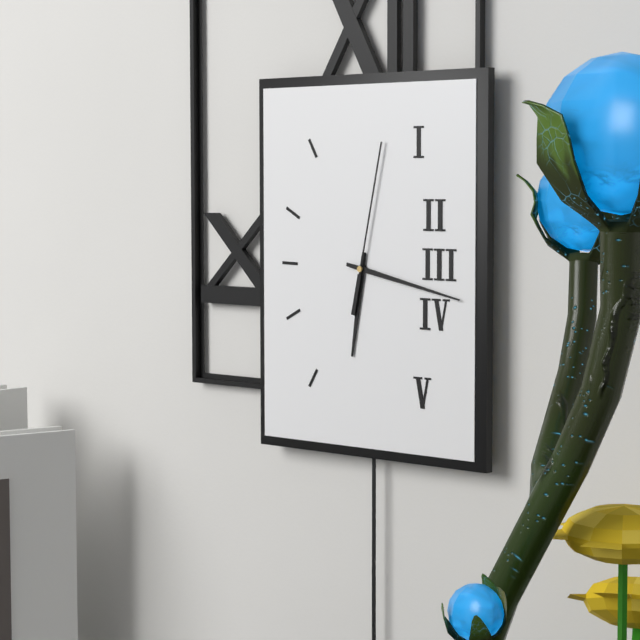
6:17:02
